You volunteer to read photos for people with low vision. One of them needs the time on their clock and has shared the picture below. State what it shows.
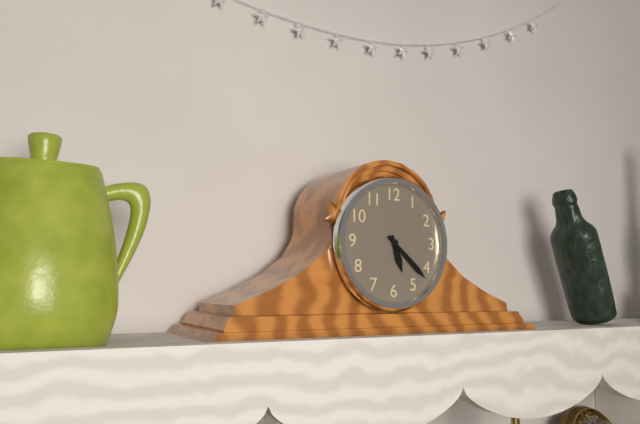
5:22
